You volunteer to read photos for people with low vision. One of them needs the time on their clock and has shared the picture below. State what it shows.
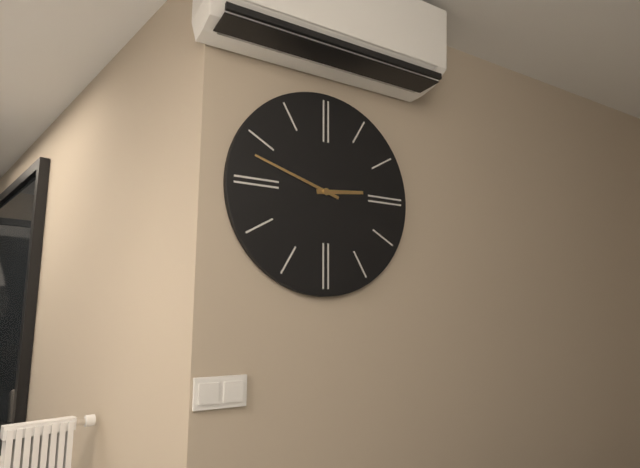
2:48
